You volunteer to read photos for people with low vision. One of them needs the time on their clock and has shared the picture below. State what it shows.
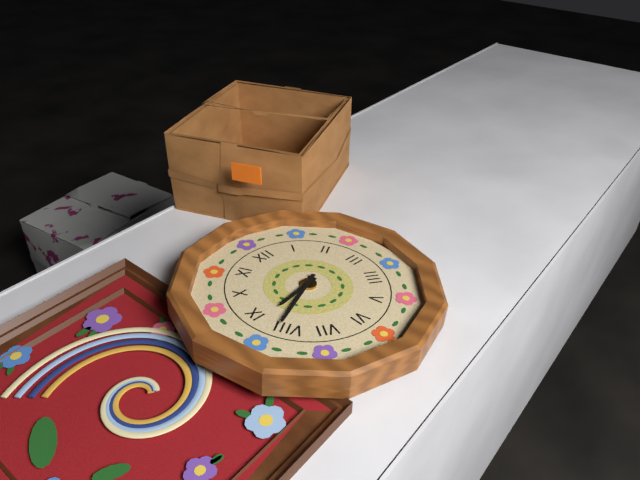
8:41
